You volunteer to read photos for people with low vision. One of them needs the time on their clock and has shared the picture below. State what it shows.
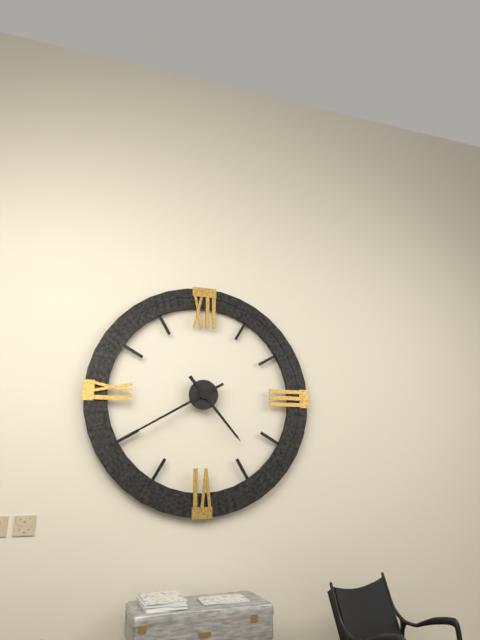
4:40
